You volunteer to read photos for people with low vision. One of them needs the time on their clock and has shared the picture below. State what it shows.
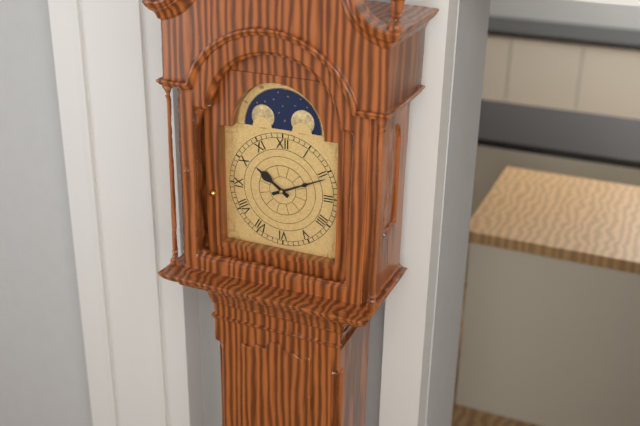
10:11
